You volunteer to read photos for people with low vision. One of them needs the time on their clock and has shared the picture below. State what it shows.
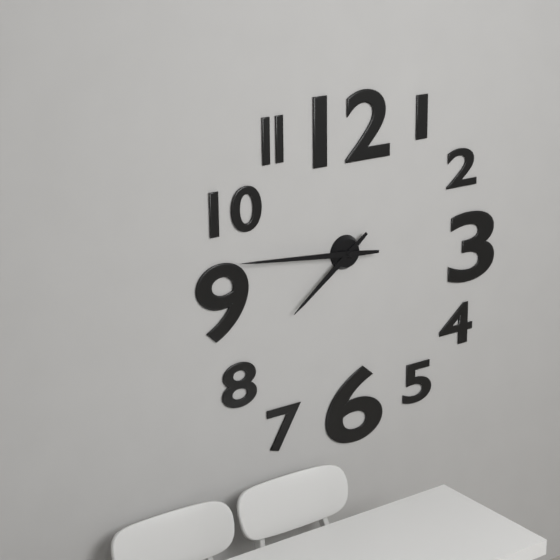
7:46
